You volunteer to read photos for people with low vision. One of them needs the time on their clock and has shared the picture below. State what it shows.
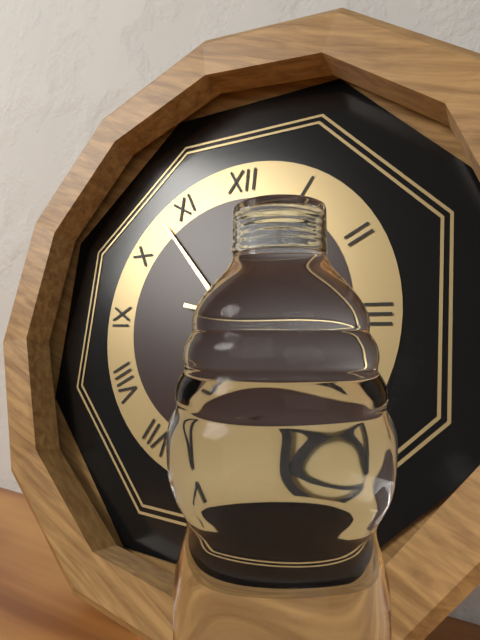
4:53:17
